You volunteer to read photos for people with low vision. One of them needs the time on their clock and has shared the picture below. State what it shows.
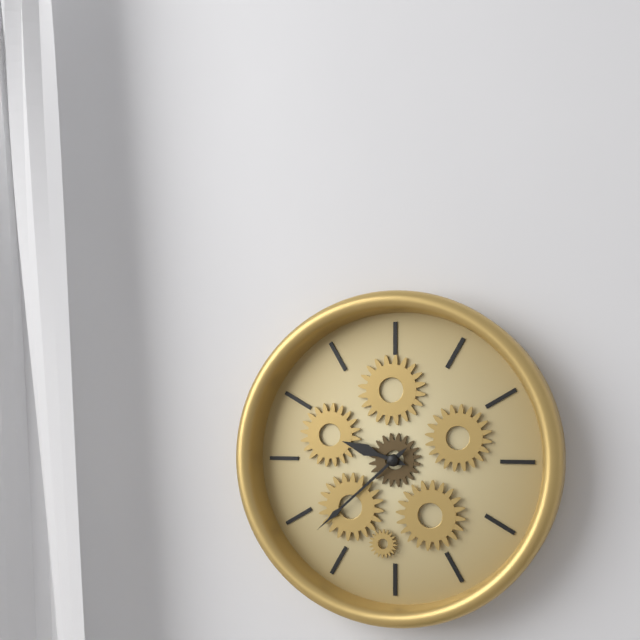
9:38
